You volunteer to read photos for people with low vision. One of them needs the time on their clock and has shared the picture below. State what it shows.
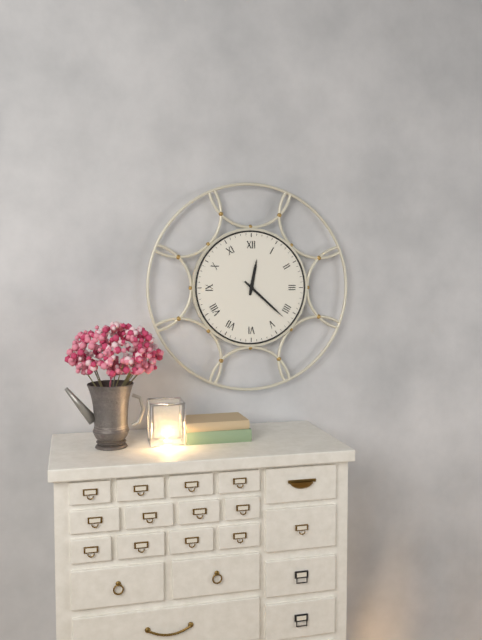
12:22
